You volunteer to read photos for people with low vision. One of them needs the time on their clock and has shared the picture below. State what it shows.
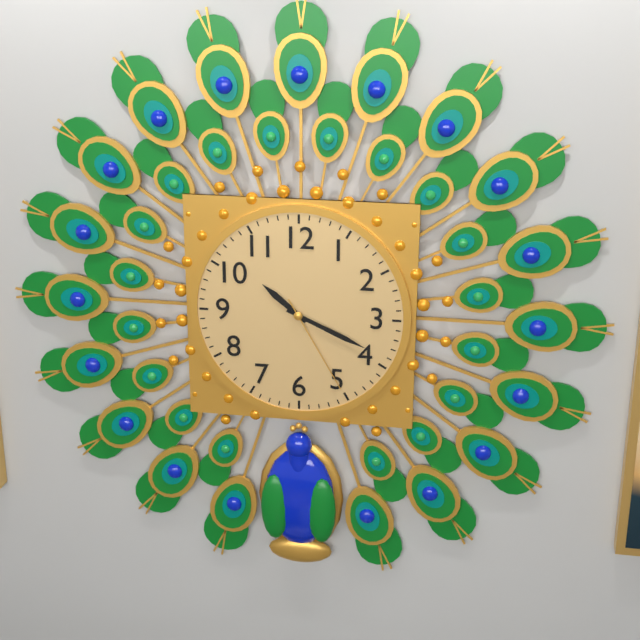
10:19:25
